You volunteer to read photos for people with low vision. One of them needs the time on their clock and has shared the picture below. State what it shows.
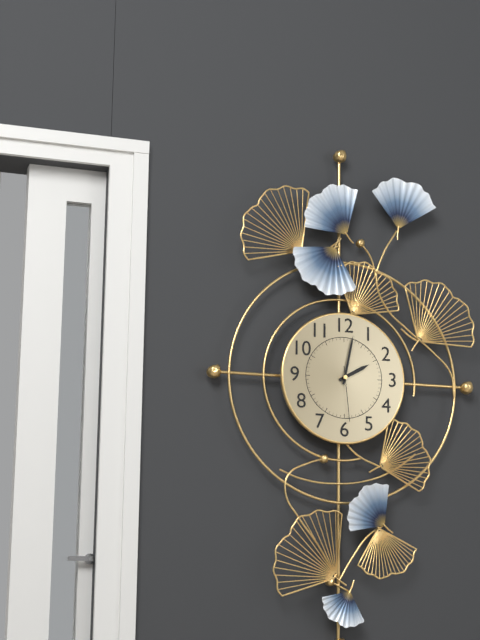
2:02:29
